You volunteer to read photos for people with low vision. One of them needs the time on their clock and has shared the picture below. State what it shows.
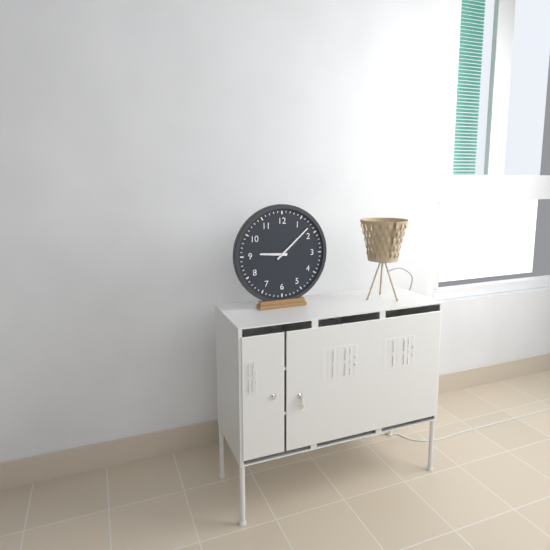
9:08
